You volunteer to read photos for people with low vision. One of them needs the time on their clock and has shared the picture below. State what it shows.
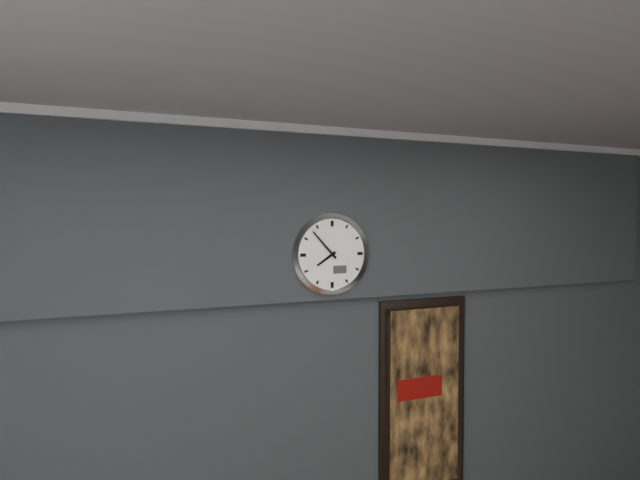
7:53
